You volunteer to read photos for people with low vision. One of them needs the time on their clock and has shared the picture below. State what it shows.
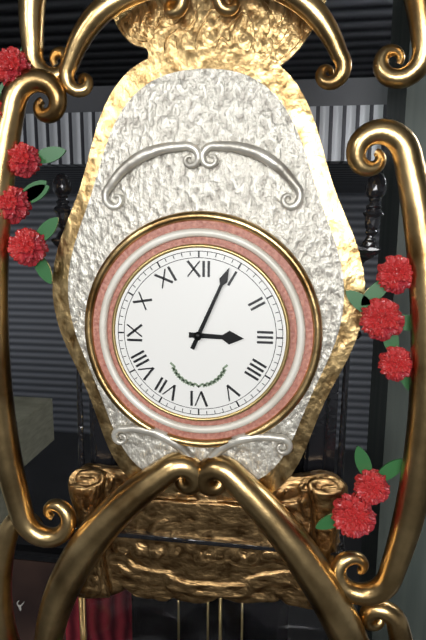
3:04
